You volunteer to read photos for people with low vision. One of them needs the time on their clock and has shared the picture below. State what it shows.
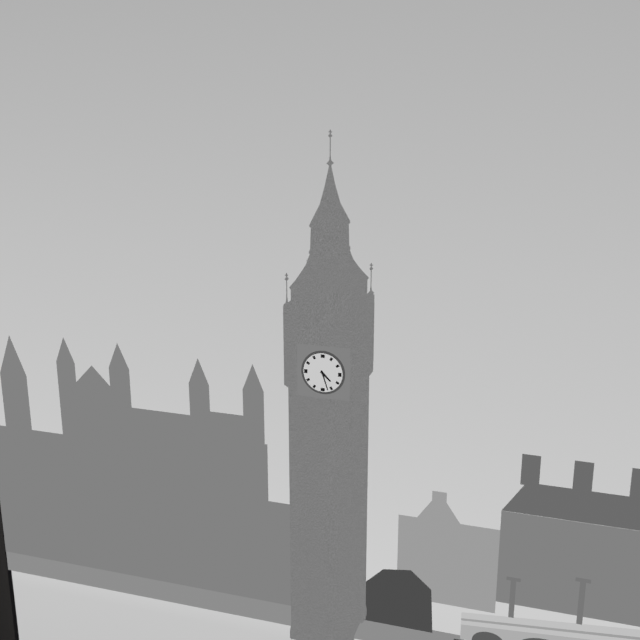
4:27
